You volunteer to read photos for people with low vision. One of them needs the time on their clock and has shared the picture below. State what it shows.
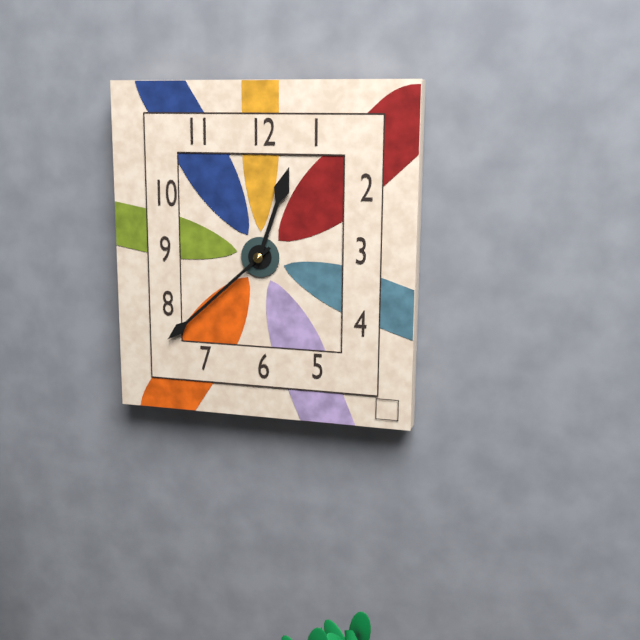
12:38
